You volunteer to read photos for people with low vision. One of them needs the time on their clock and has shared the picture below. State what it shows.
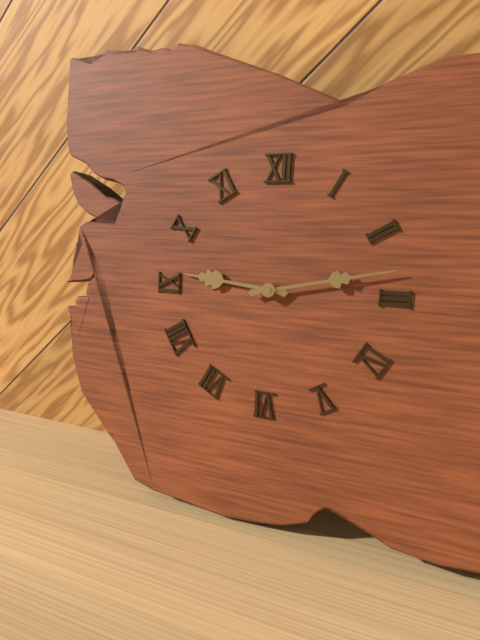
9:13
